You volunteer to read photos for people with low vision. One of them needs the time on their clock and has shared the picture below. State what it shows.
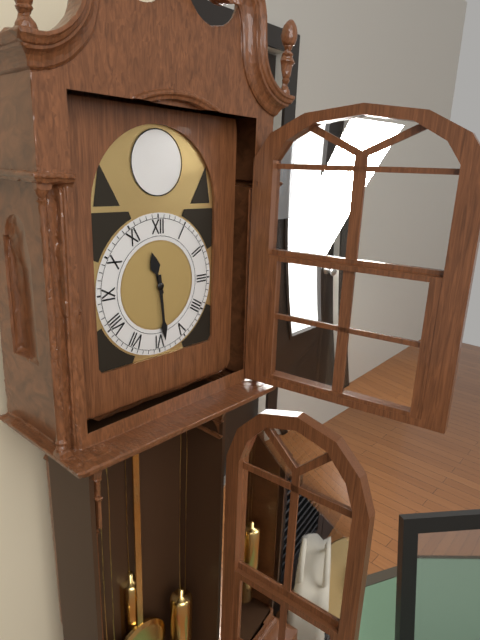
11:29
